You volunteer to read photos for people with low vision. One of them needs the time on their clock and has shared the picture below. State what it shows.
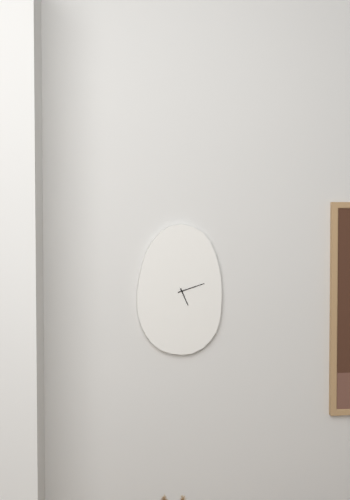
5:12
